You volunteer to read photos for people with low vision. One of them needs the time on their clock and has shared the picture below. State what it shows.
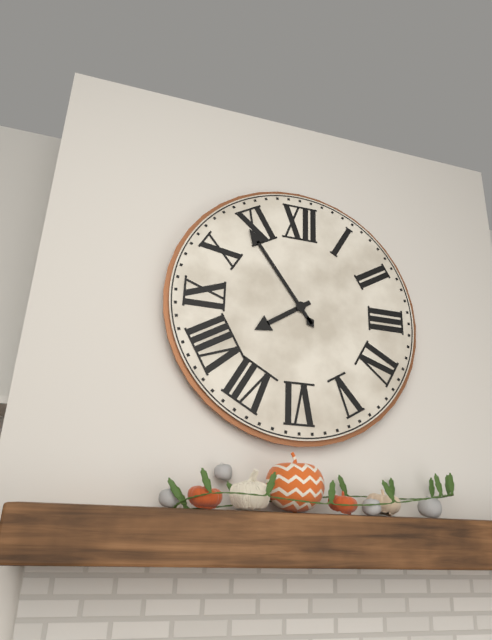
7:54
